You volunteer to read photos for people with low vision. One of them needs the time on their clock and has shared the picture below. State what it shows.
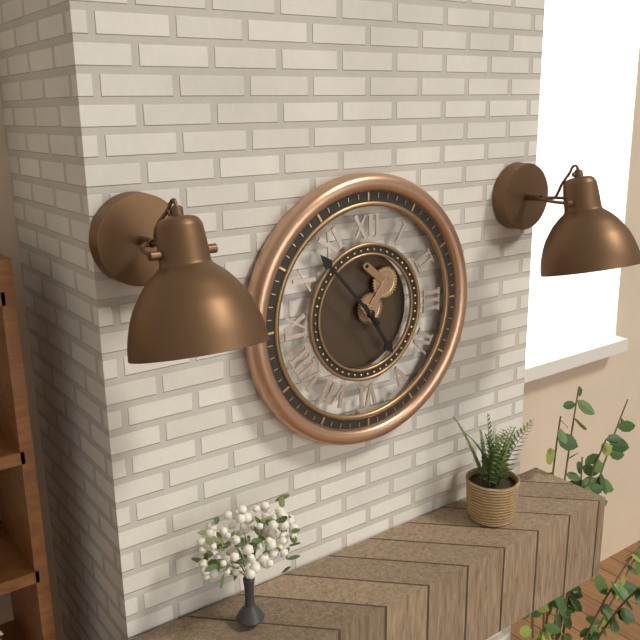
4:53
